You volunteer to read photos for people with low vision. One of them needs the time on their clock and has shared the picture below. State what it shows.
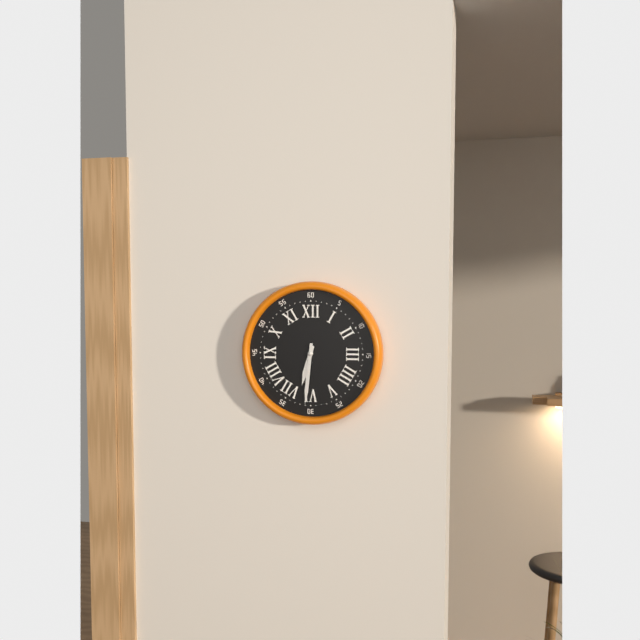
6:31
